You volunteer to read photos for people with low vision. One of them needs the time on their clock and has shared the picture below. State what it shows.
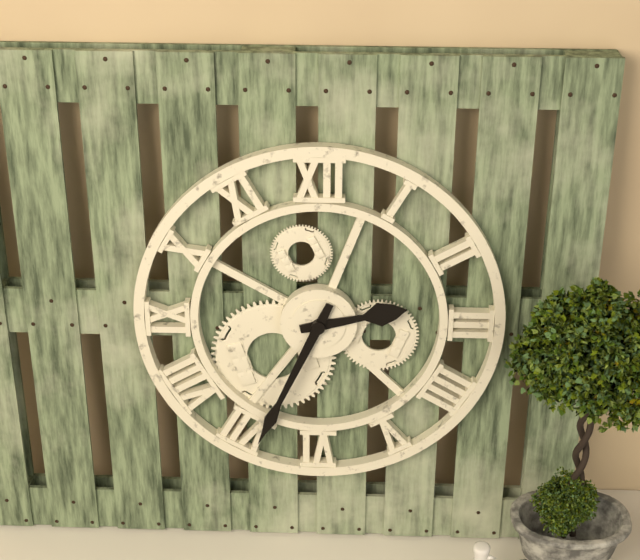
2:34
